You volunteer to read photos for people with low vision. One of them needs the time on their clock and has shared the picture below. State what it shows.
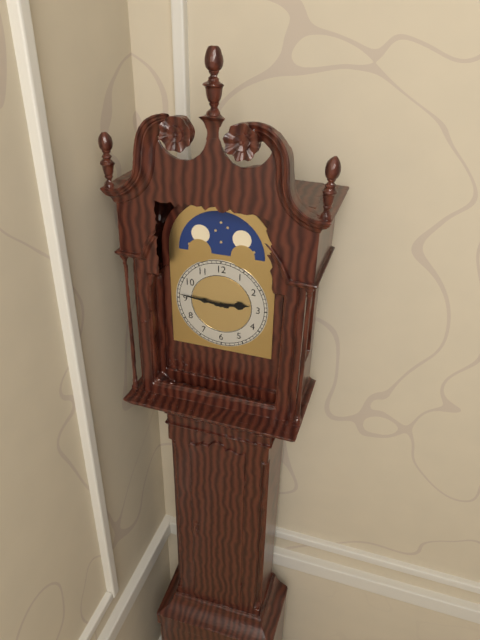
2:46
